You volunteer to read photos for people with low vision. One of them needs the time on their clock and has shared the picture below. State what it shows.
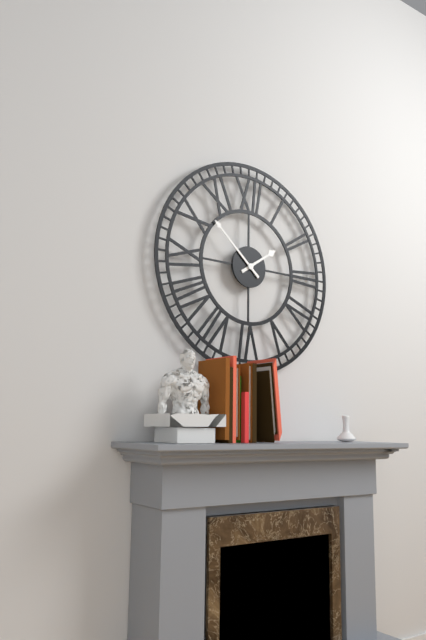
1:52
